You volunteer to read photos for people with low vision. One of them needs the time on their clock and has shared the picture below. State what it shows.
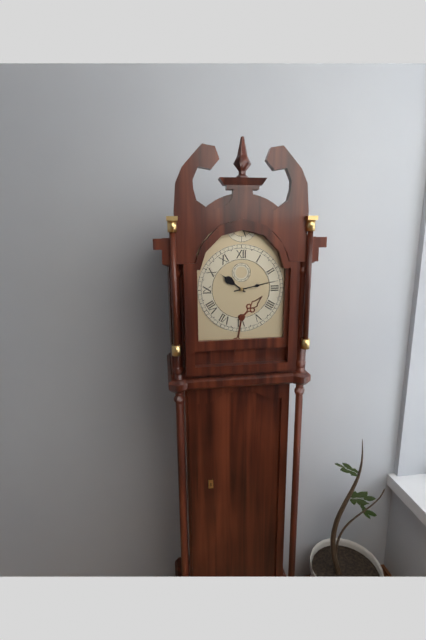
10:13
